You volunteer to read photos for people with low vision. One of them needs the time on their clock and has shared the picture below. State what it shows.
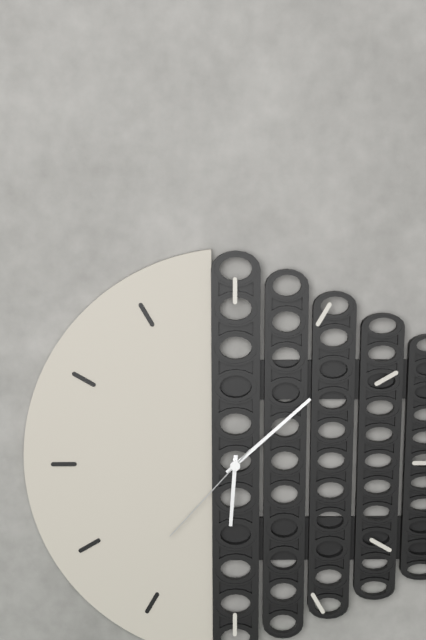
6:08:37
